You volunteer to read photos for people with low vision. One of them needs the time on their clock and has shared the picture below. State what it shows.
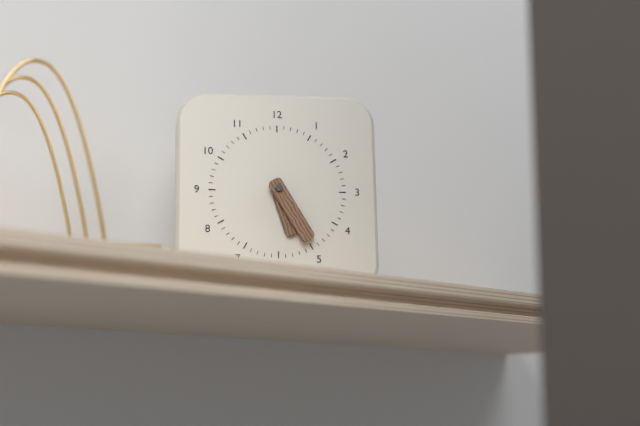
5:25
